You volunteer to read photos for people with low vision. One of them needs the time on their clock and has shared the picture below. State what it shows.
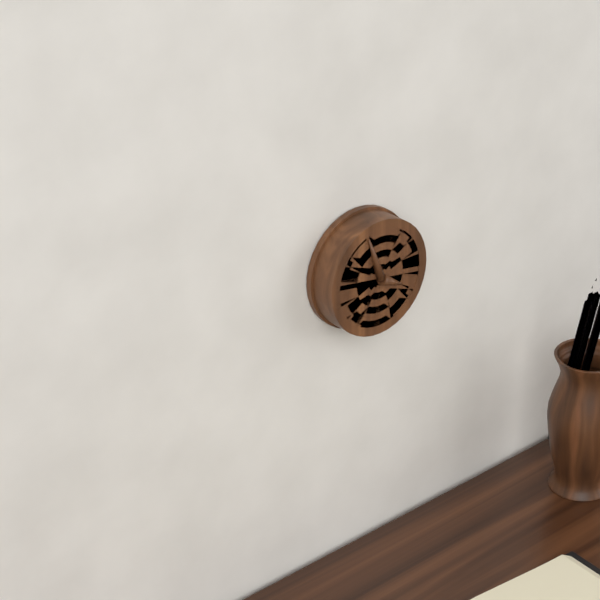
3:57
